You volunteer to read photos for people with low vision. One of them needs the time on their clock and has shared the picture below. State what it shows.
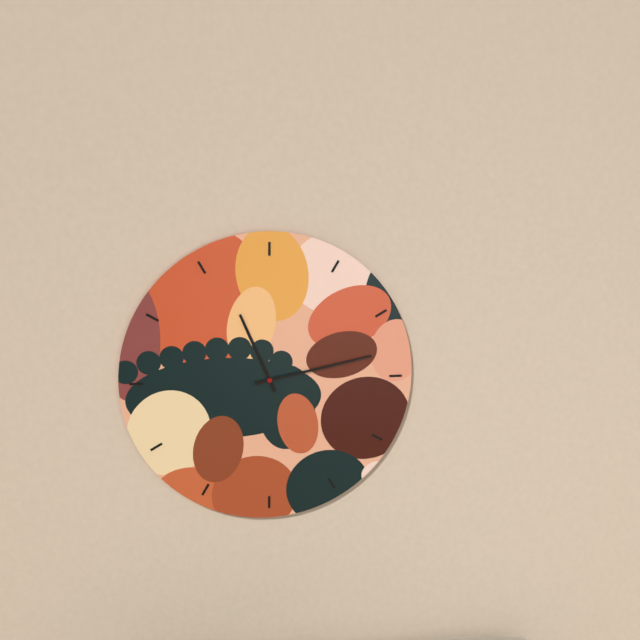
11:13
